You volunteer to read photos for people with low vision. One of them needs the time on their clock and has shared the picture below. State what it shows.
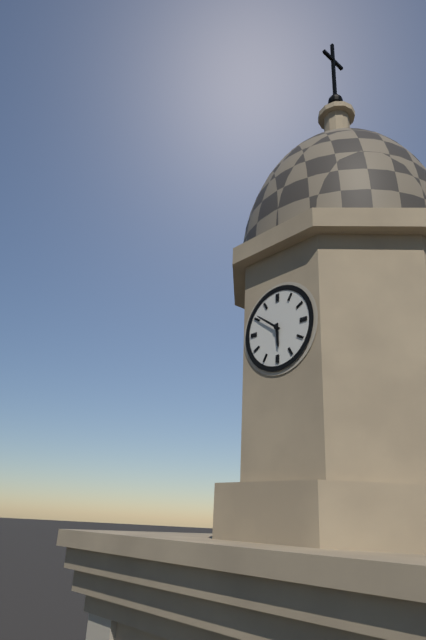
5:51
